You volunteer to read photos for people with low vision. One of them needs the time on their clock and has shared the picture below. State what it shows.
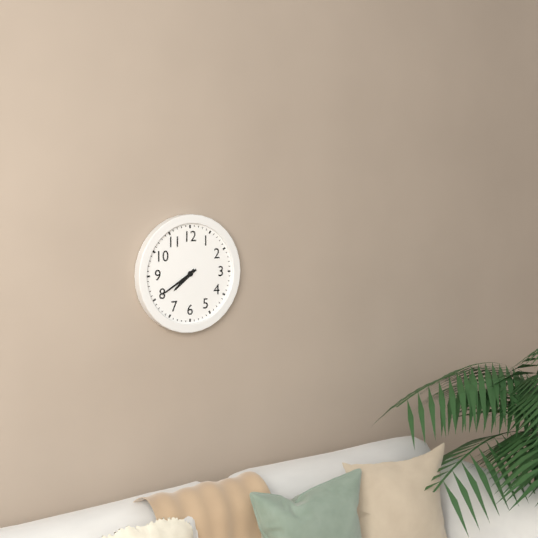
7:40
